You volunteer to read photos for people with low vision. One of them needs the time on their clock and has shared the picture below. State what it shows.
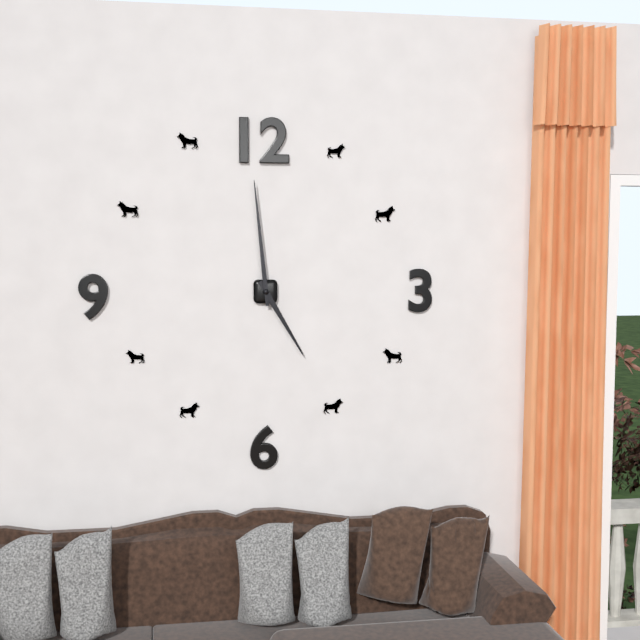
4:59
